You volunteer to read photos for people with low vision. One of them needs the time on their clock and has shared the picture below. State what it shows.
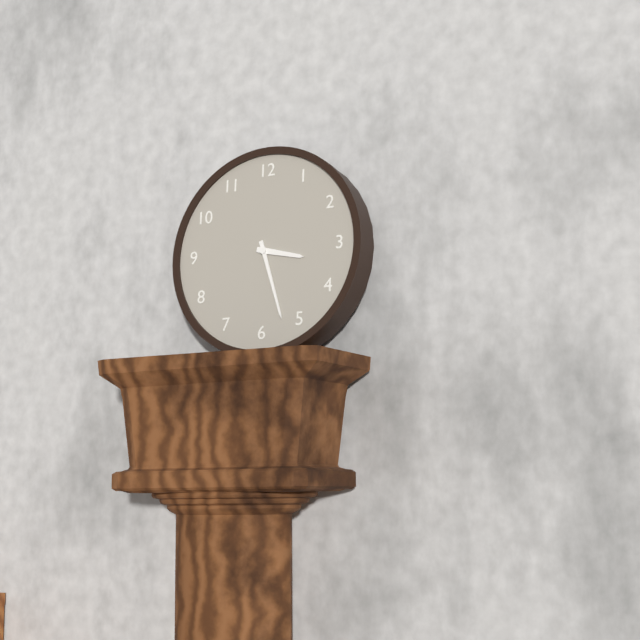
3:27
